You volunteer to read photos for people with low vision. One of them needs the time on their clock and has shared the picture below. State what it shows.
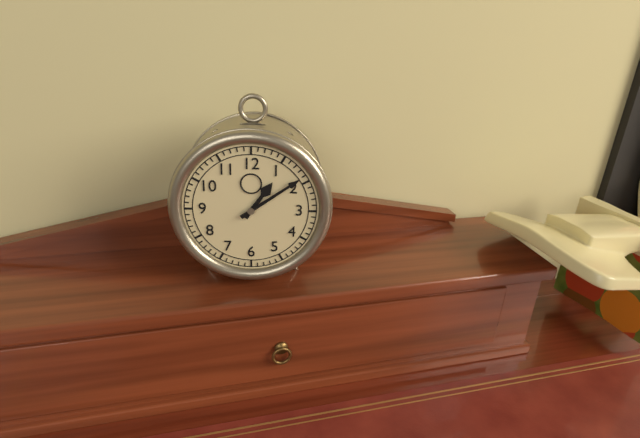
1:09
